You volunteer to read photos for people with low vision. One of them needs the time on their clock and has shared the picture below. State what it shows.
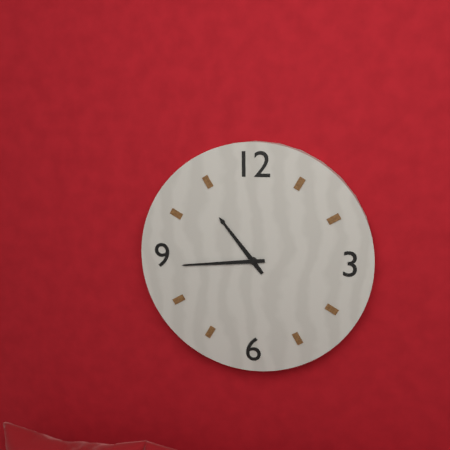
10:44
